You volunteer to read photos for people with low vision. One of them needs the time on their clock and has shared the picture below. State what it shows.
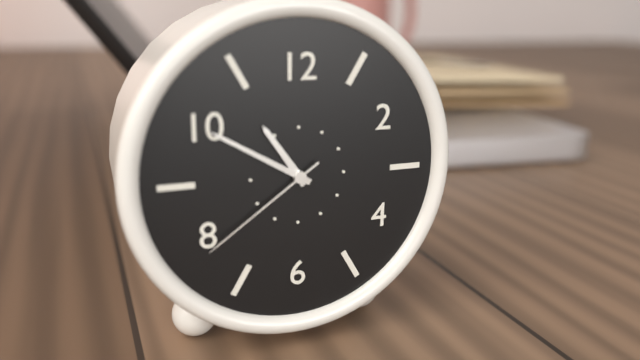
10:50:39
